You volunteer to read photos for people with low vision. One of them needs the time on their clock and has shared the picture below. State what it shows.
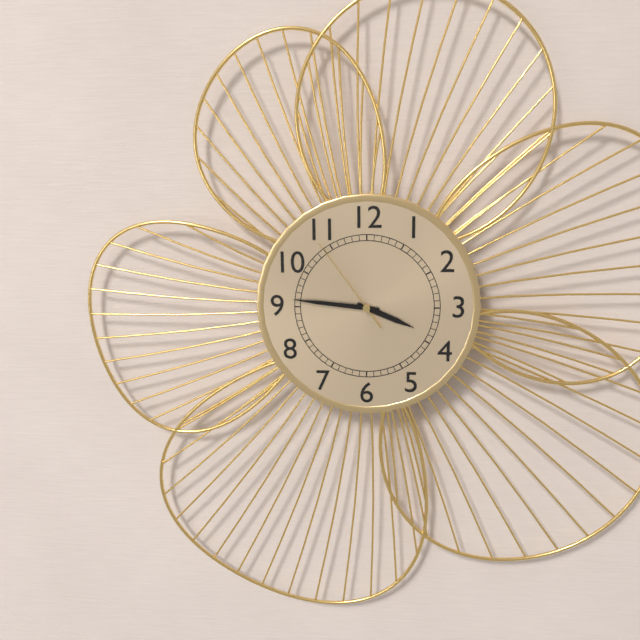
3:46:54
